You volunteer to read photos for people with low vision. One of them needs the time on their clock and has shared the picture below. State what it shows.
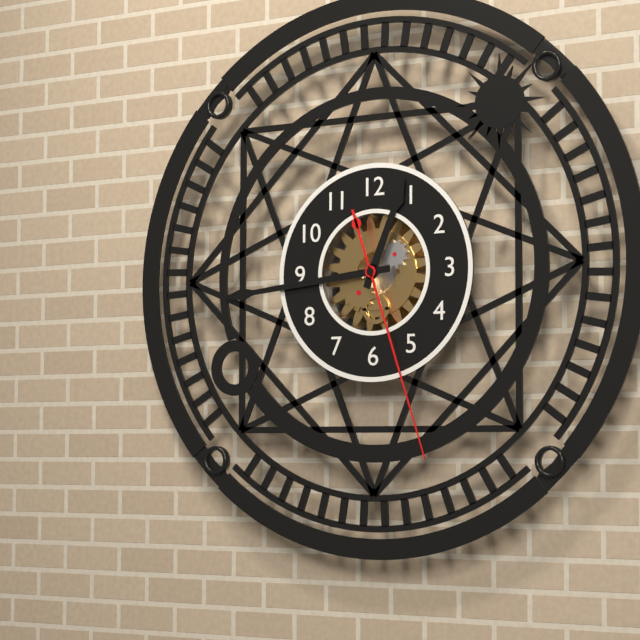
12:44:27
